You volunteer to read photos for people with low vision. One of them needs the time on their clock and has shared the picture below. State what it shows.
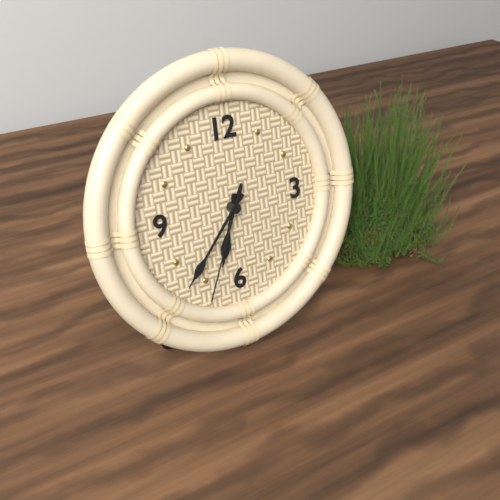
6:37:34
